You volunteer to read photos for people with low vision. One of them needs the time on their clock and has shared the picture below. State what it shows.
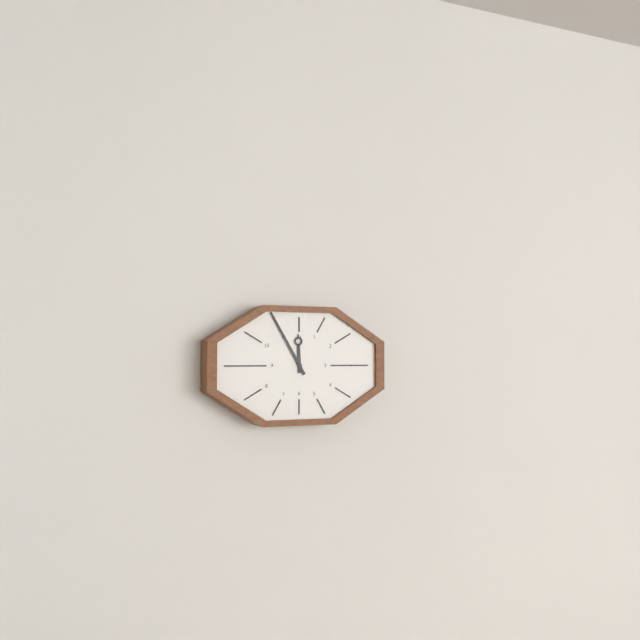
11:55
